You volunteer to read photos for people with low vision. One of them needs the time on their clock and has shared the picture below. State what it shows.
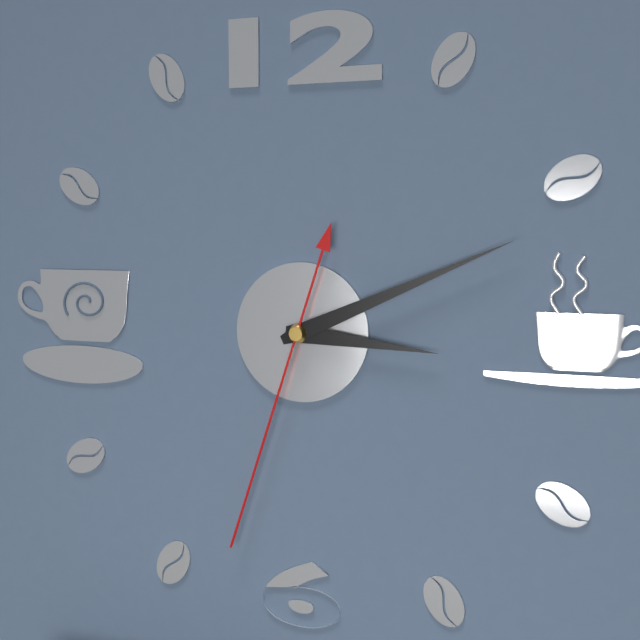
3:11:33
